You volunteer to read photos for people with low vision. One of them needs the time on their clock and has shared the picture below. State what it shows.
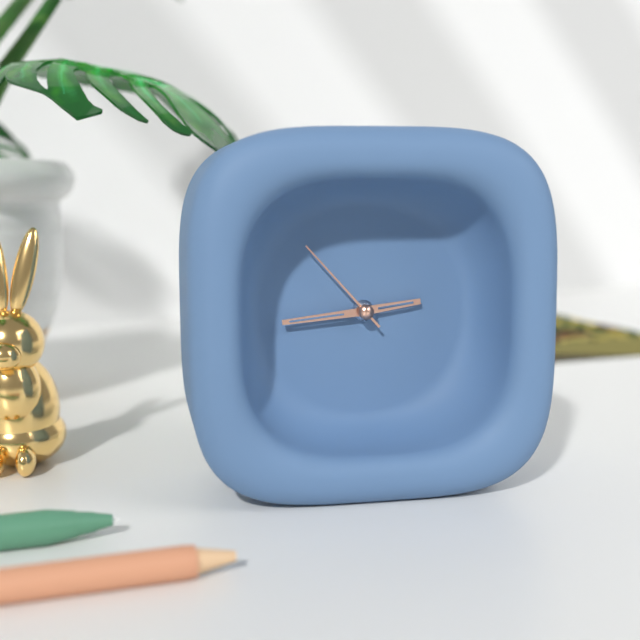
2:44:53
